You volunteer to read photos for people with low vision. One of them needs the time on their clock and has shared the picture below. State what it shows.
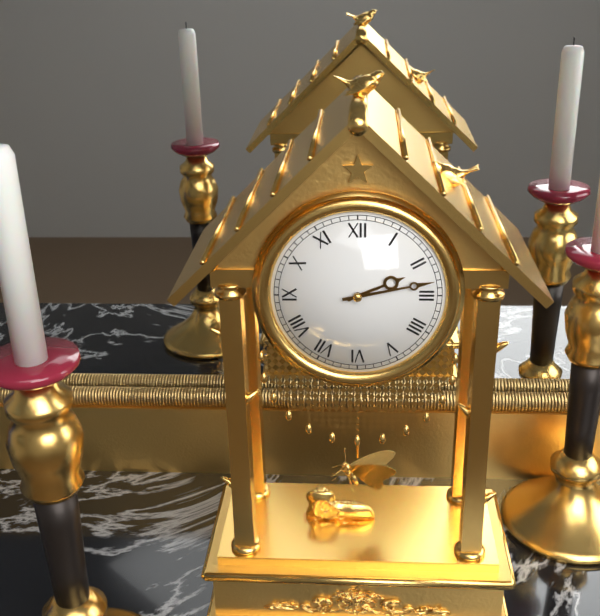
2:13
